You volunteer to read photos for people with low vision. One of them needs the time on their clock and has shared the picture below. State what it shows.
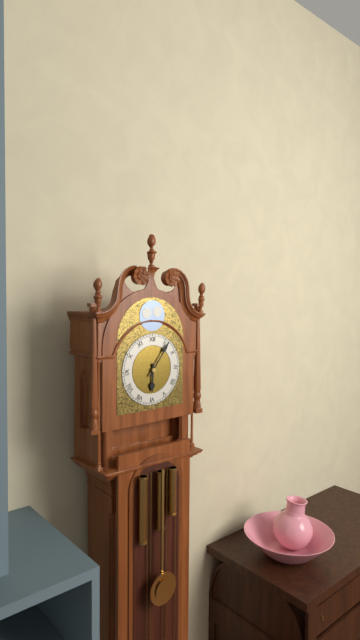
6:06
